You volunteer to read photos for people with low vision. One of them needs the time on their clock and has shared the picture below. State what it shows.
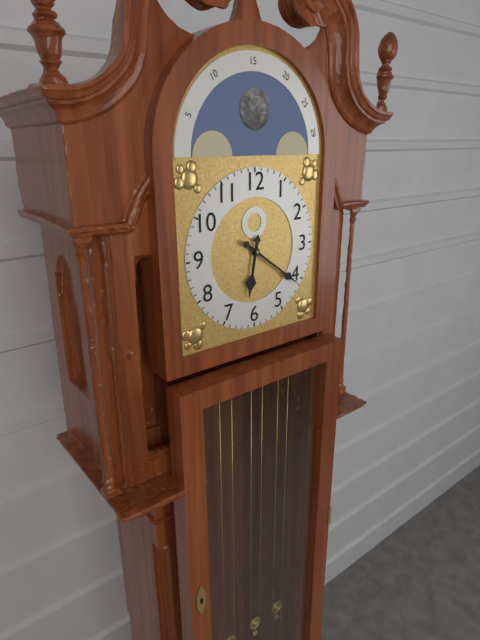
6:21
